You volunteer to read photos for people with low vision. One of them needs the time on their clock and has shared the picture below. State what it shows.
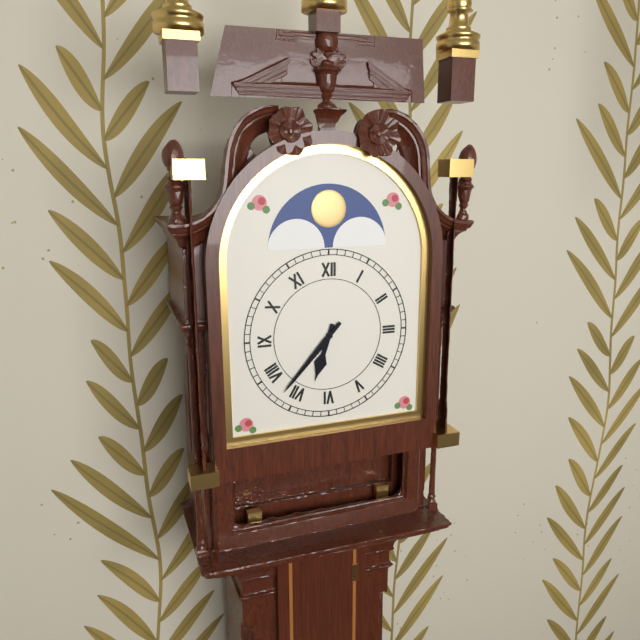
6:37
